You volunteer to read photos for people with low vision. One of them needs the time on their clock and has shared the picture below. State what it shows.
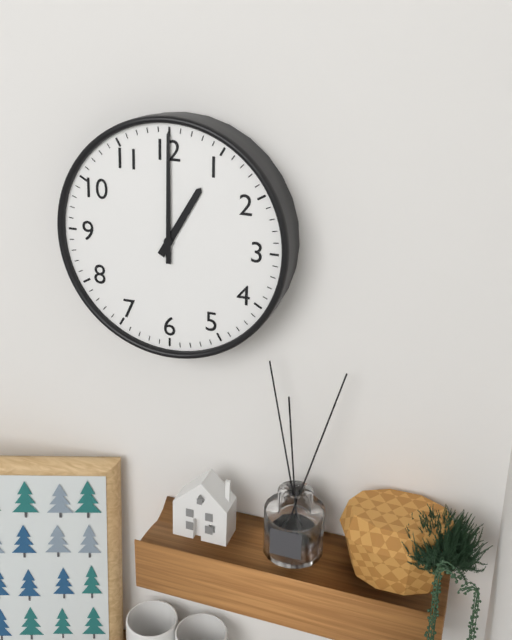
1:00
